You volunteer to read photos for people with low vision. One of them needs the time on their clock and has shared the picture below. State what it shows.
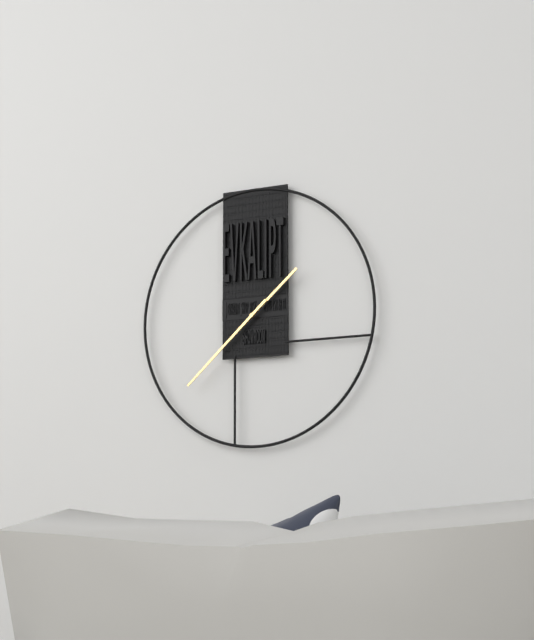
1:38
